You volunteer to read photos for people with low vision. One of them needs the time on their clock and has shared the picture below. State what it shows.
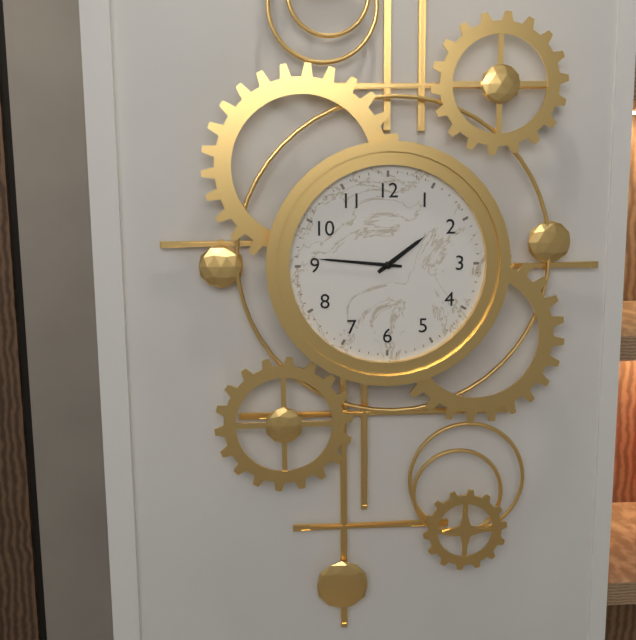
1:46
